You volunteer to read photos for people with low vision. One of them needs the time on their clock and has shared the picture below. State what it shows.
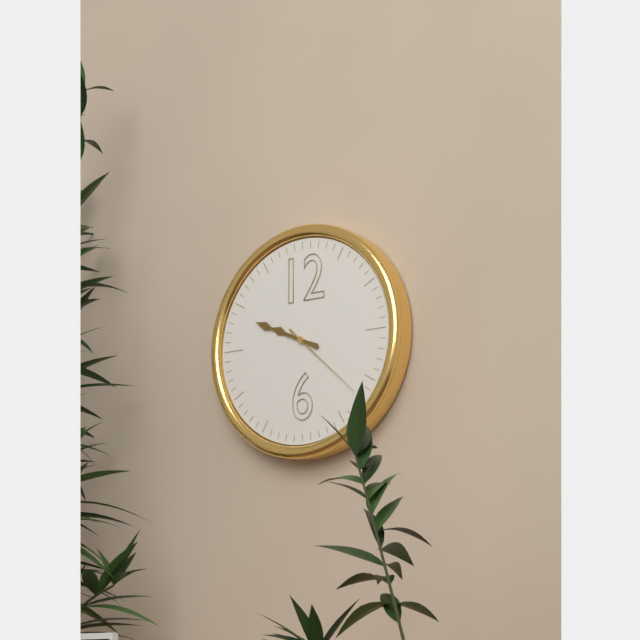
9:49:22
